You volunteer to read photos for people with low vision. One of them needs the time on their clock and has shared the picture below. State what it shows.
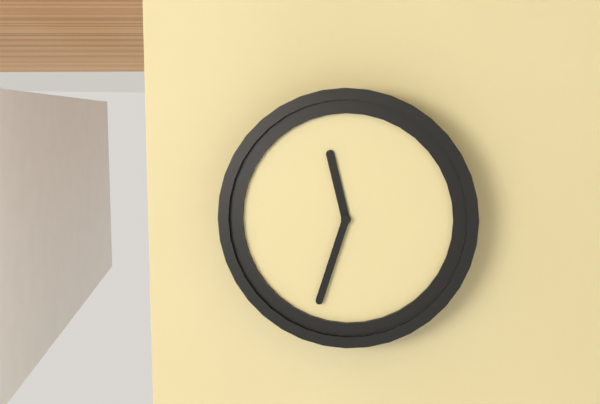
11:33
